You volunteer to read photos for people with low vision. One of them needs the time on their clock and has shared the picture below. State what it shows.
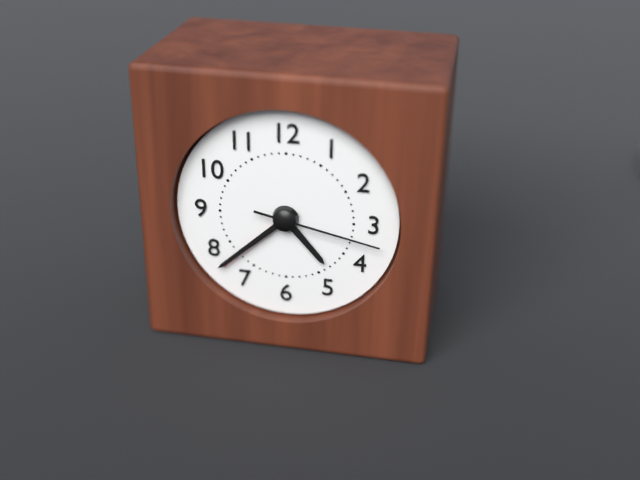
4:38:17
